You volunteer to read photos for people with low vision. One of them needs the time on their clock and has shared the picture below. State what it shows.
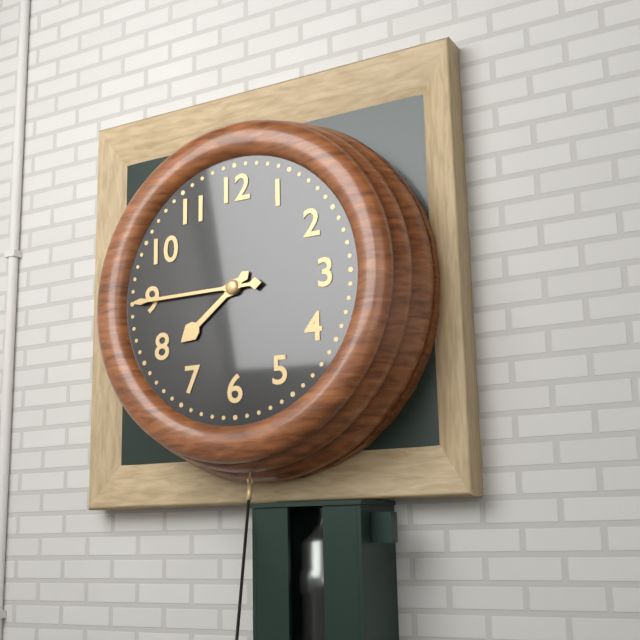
7:45
